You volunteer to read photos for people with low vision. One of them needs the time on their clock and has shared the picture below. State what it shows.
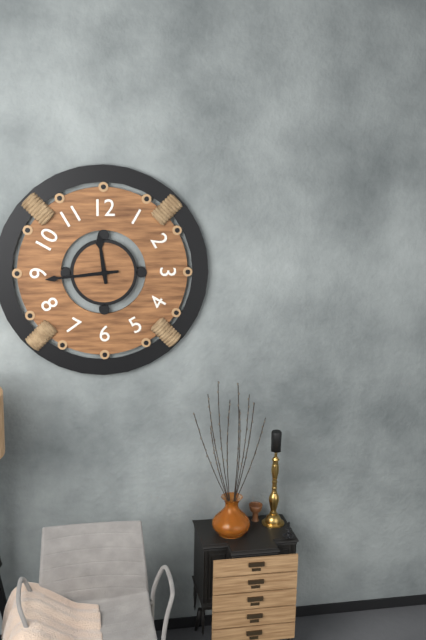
11:44
